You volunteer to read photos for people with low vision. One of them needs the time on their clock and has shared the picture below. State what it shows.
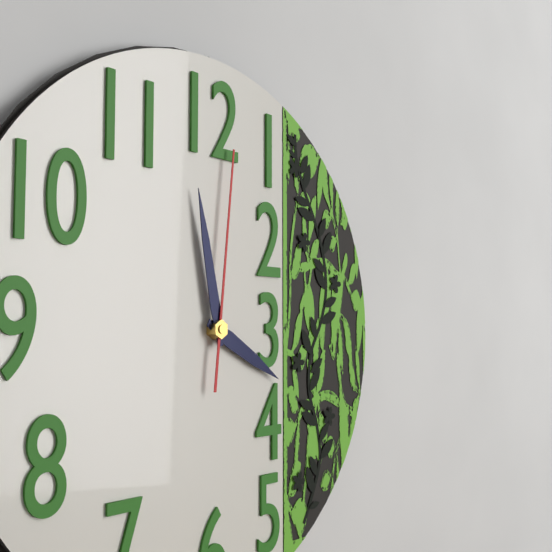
3:58:01
